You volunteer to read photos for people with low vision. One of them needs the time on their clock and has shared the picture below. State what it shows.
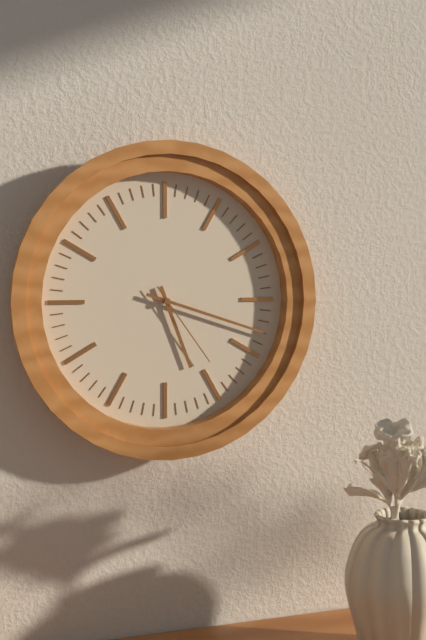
5:18:24
